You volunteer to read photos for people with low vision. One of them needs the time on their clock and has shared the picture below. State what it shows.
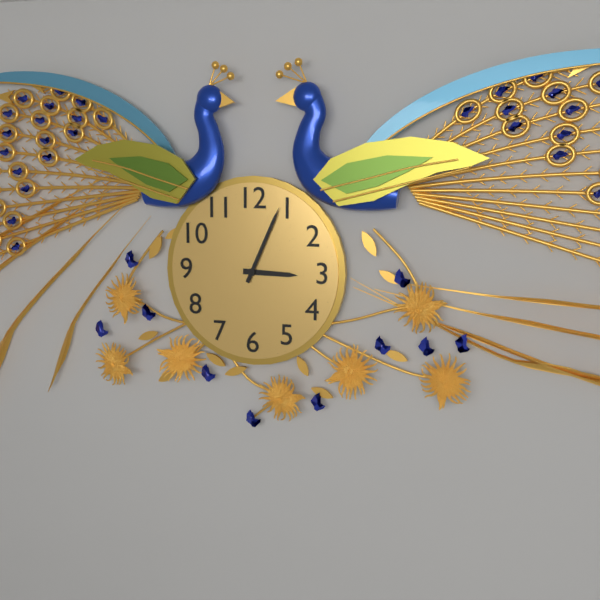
3:04
